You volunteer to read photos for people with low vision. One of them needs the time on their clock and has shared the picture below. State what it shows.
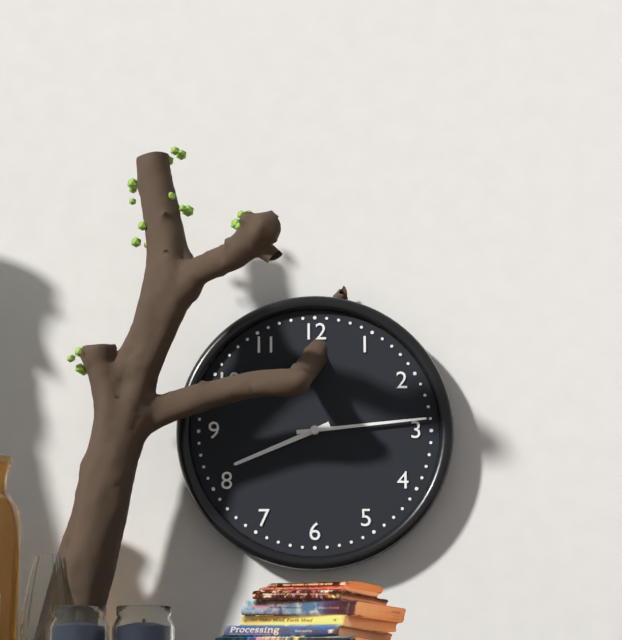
8:14
